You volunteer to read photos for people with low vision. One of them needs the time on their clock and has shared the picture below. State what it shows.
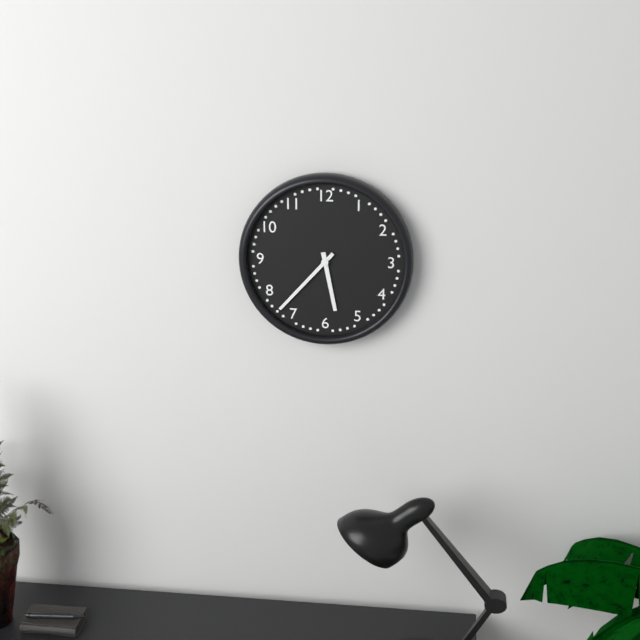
5:37
